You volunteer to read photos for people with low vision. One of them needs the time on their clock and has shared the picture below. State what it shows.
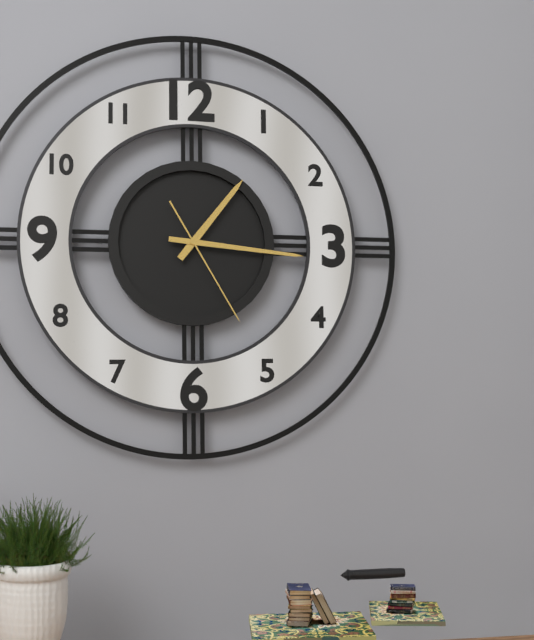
1:16:25
